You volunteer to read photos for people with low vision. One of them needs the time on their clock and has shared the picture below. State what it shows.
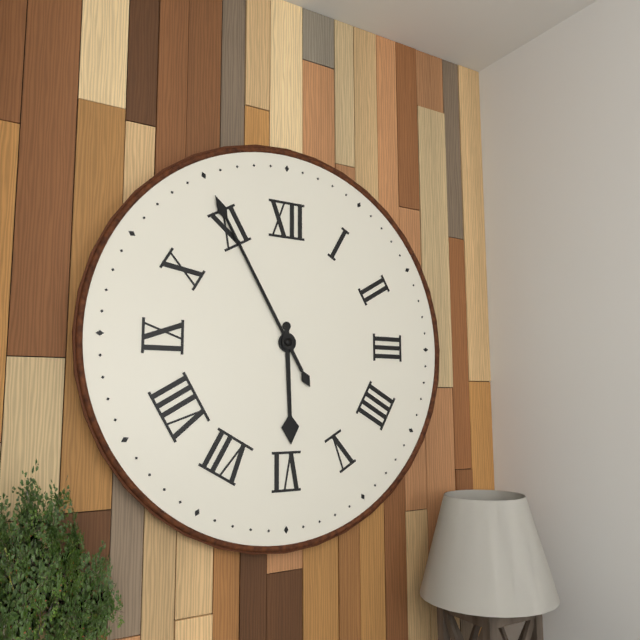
5:55
